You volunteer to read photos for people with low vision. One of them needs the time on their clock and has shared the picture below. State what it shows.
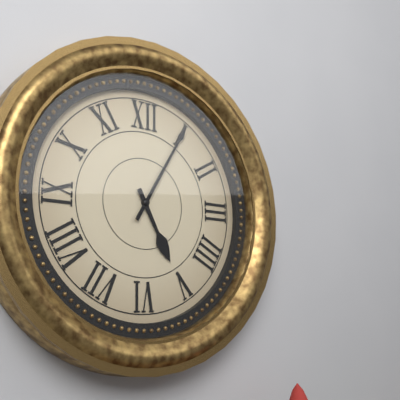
5:05
